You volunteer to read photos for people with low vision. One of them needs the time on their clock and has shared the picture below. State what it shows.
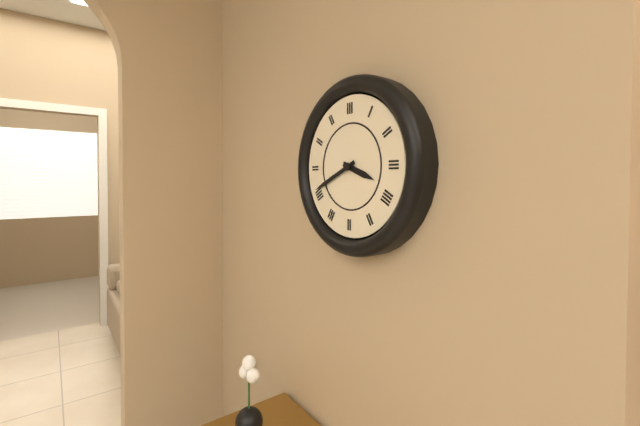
3:41
